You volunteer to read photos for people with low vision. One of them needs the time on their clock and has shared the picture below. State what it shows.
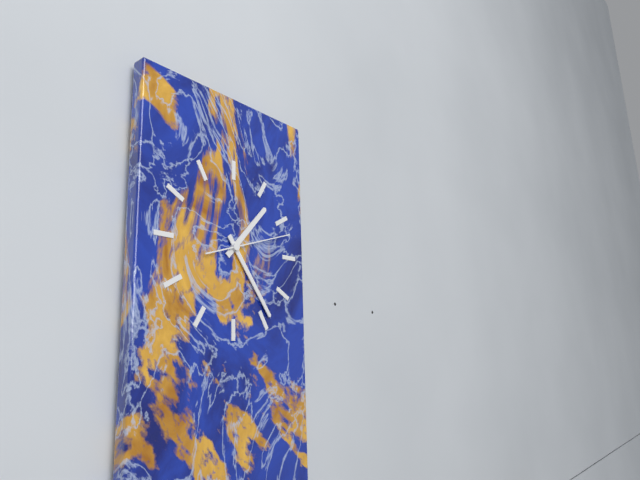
1:24:12
